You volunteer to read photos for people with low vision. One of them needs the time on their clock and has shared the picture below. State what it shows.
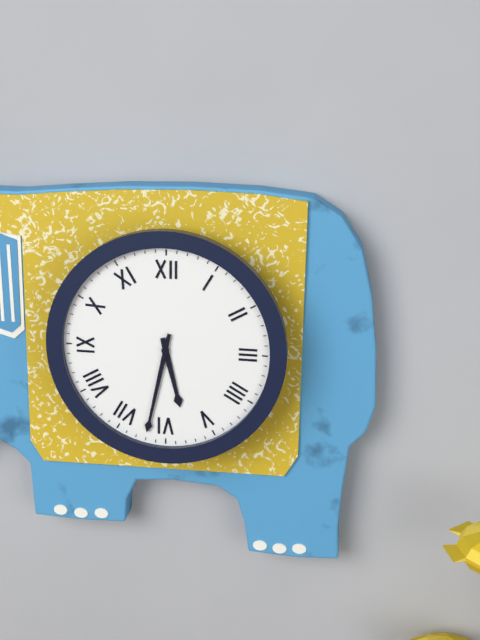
5:32
